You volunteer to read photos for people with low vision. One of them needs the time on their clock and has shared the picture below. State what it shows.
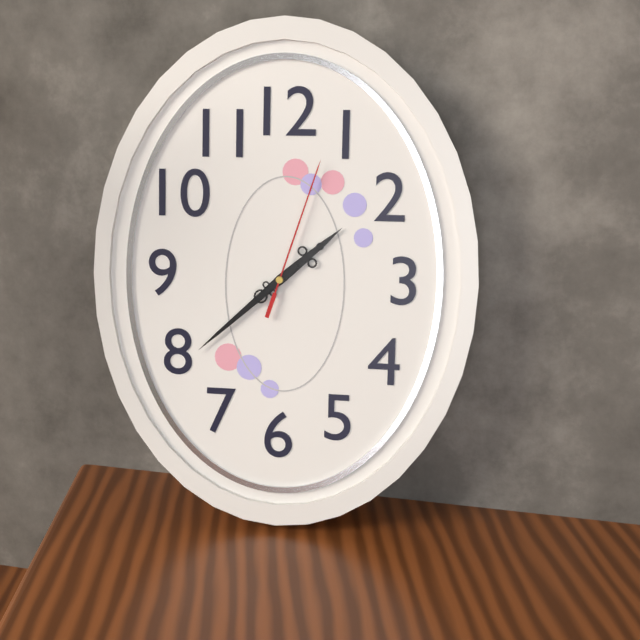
1:38:03
